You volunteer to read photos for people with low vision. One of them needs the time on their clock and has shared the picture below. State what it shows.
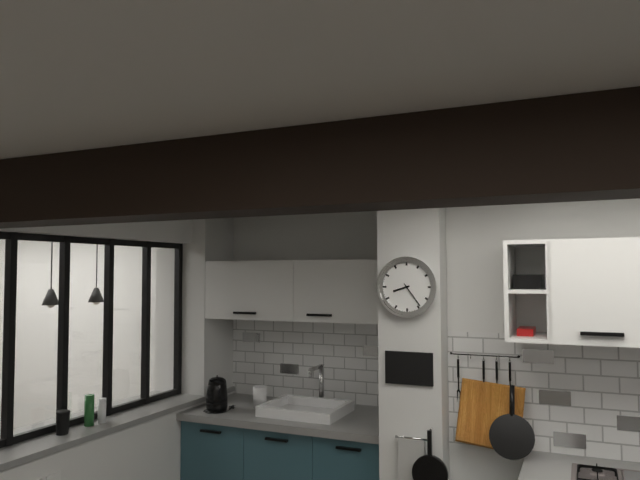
8:24
